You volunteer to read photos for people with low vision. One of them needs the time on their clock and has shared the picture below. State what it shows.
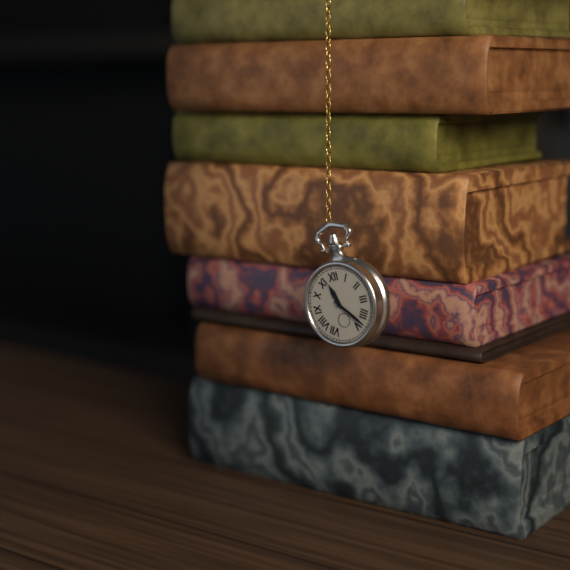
11:23
